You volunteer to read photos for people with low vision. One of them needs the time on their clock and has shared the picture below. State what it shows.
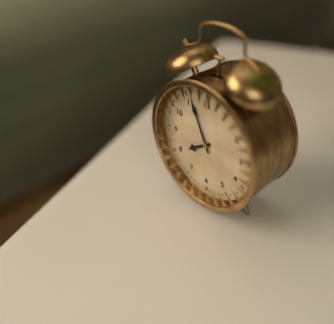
7:56
